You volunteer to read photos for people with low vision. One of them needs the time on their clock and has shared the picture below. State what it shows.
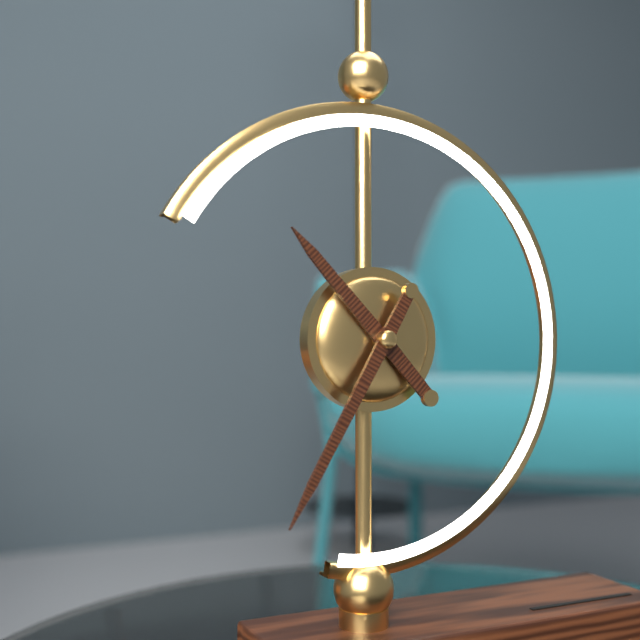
10:35
